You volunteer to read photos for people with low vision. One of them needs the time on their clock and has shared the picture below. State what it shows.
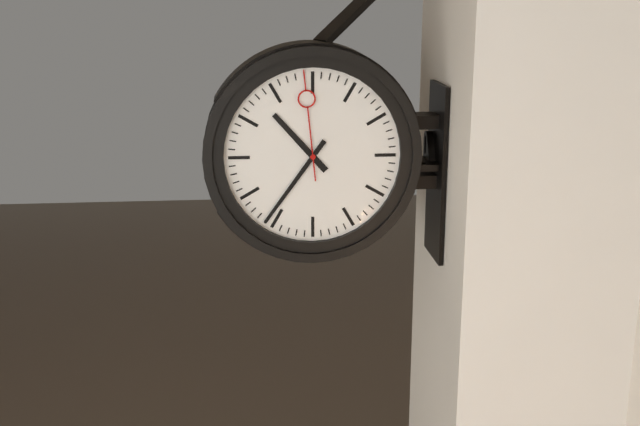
10:36:59
